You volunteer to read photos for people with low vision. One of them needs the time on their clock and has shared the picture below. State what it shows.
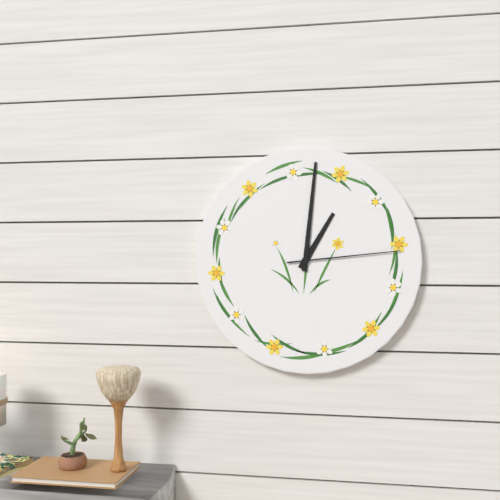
1:01:14
